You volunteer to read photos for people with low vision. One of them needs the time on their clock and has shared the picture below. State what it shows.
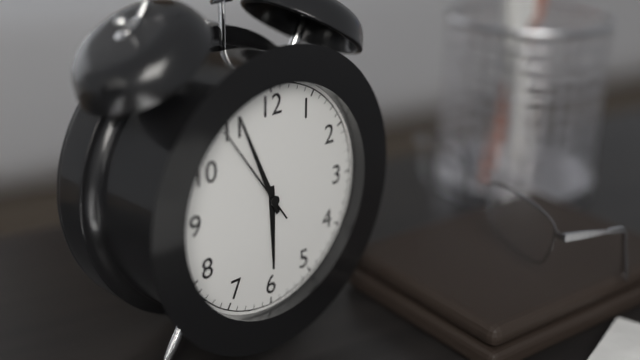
5:56:54
